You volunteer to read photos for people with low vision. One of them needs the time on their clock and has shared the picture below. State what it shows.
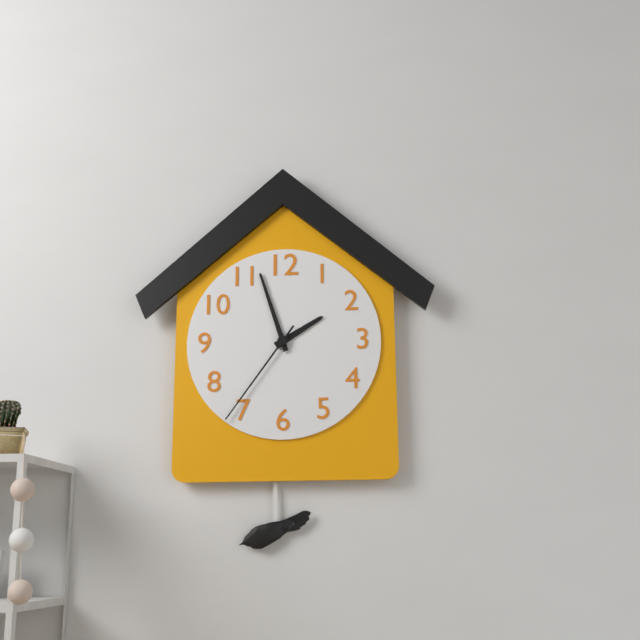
1:57:36
